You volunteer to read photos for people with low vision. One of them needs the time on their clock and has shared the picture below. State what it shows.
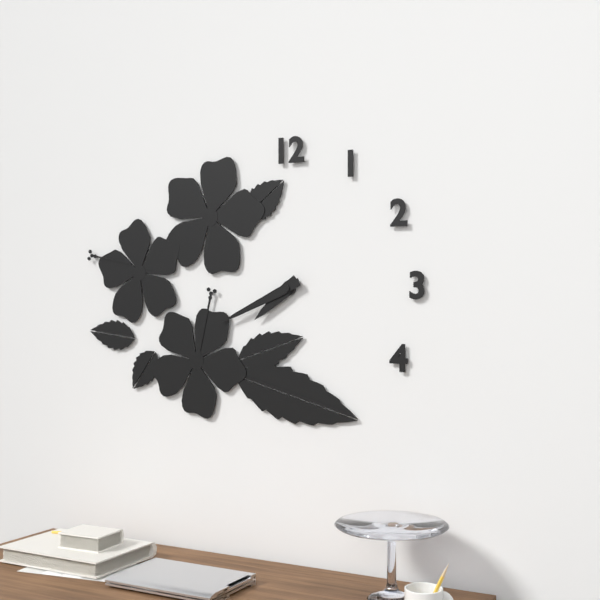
7:41
